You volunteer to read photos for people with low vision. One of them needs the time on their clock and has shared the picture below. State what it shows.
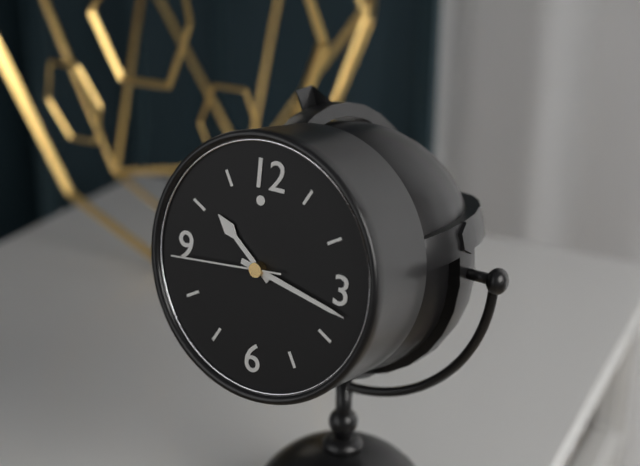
10:17:44
